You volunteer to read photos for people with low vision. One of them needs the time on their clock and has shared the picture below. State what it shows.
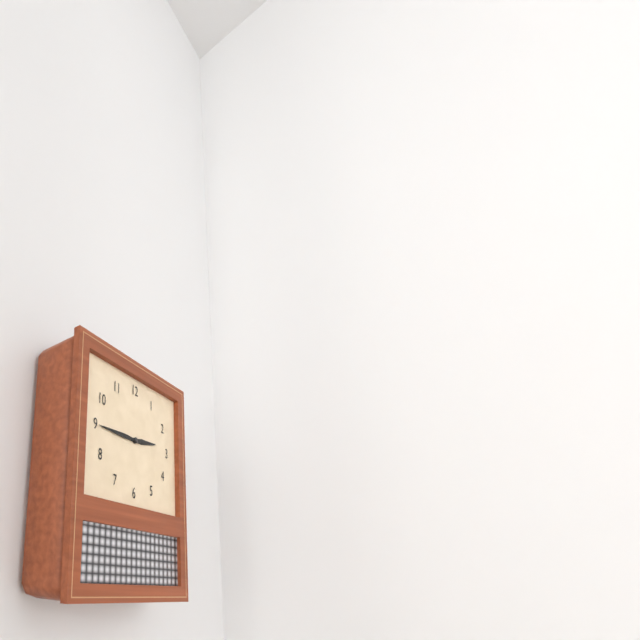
2:45
